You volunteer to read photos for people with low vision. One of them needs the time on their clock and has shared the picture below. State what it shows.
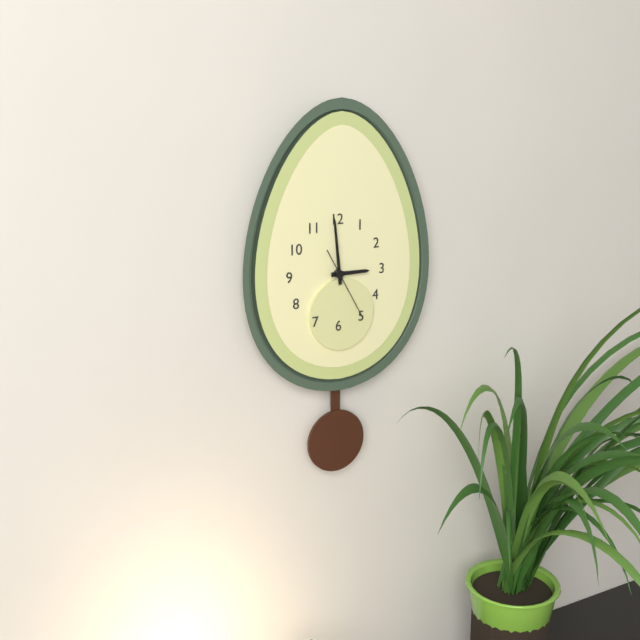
2:59:25
